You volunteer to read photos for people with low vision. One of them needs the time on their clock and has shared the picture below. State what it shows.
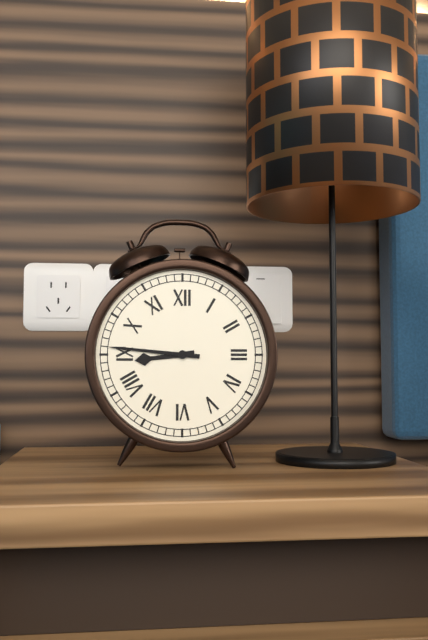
8:46
